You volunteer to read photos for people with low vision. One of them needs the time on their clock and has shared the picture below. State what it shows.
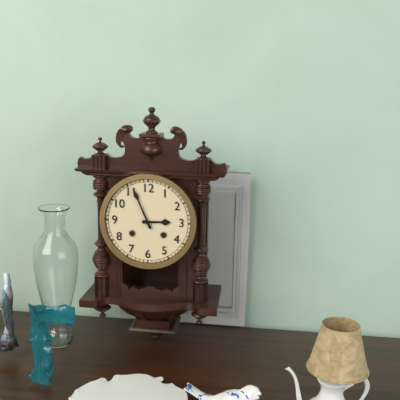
2:56
